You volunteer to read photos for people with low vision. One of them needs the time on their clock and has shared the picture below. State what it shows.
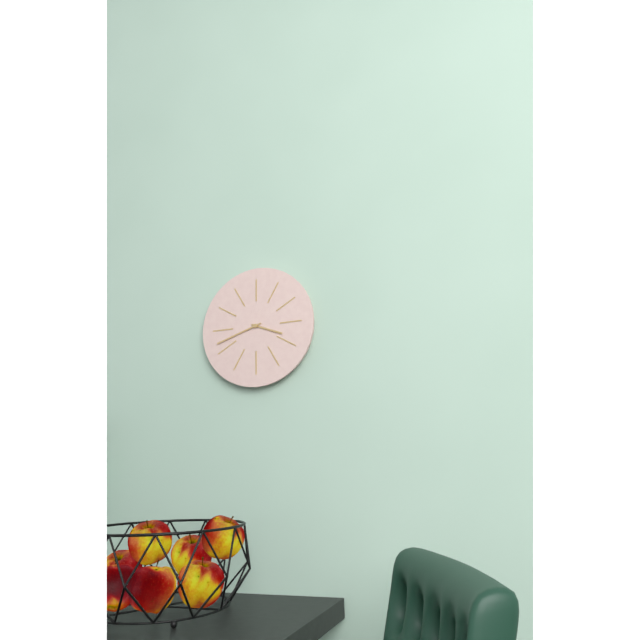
3:42
